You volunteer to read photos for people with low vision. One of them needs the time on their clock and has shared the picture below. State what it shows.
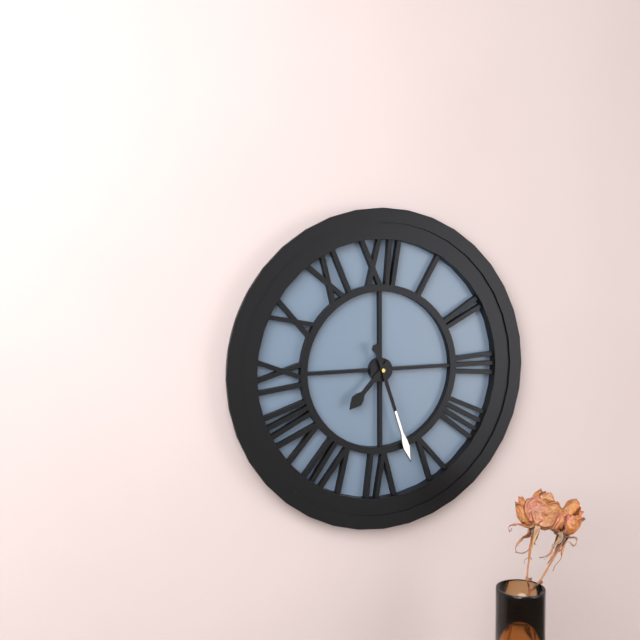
7:27
